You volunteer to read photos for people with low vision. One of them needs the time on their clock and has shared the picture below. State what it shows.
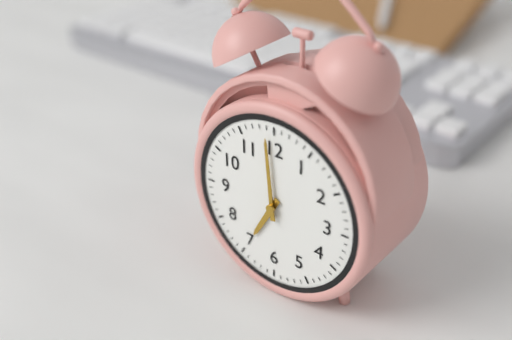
6:59
